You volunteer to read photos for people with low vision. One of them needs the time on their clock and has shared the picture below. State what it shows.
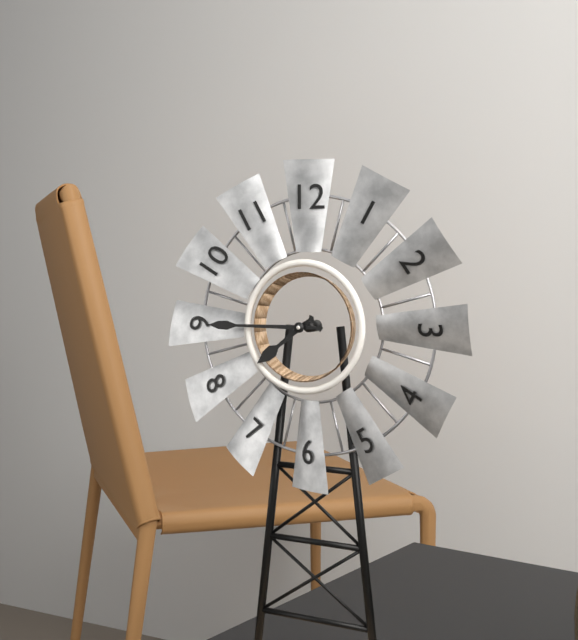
7:45
